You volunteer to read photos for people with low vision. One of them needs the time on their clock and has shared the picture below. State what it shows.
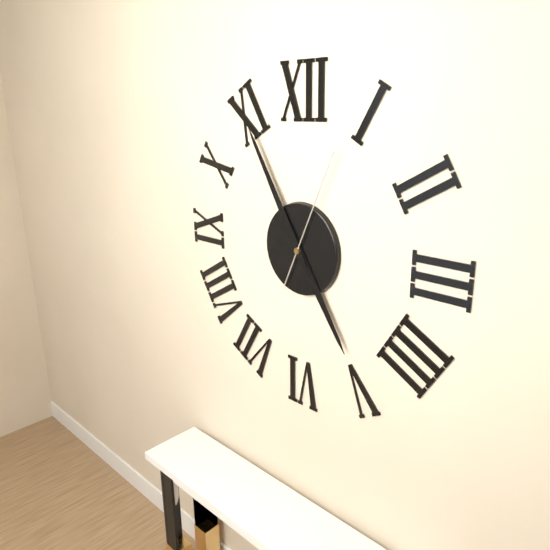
4:55:04
